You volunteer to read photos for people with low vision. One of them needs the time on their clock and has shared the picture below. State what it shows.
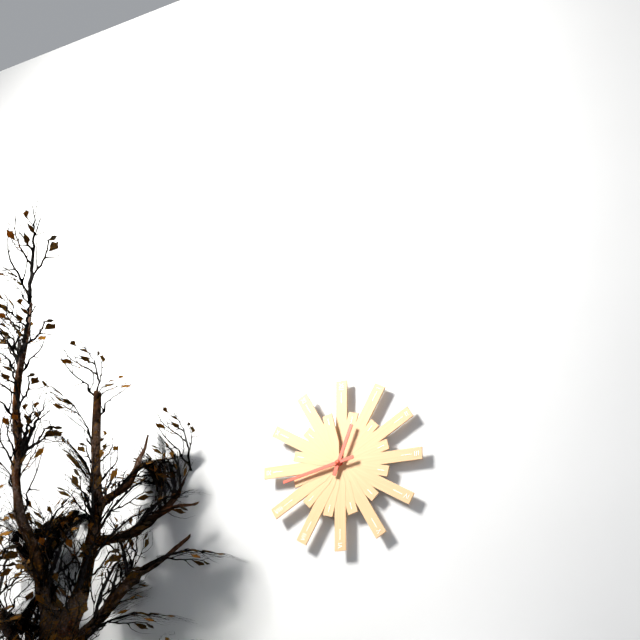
12:43
